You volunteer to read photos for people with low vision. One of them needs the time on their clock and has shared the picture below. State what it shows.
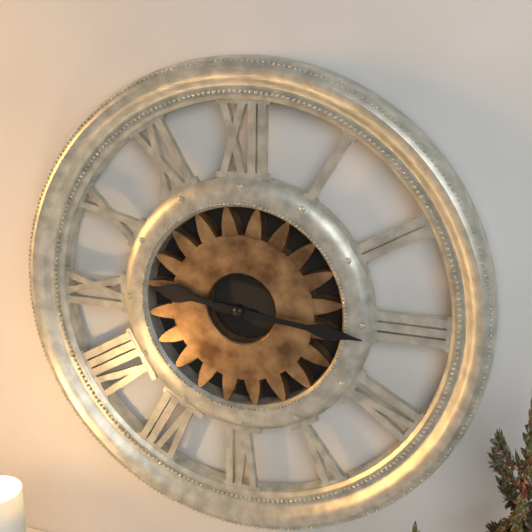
9:16
